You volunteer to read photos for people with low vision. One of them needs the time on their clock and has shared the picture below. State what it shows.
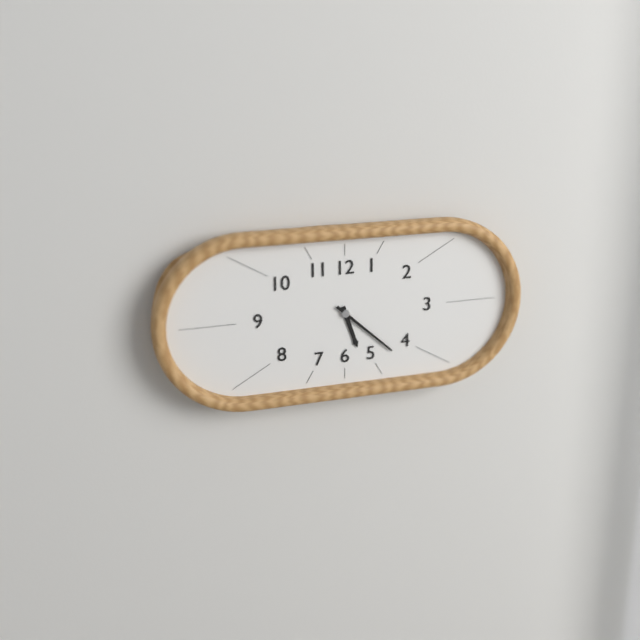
5:22
